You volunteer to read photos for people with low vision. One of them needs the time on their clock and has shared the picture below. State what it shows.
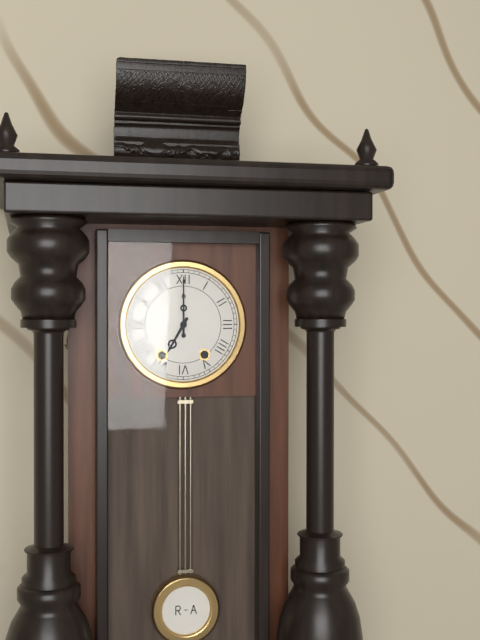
7:00
